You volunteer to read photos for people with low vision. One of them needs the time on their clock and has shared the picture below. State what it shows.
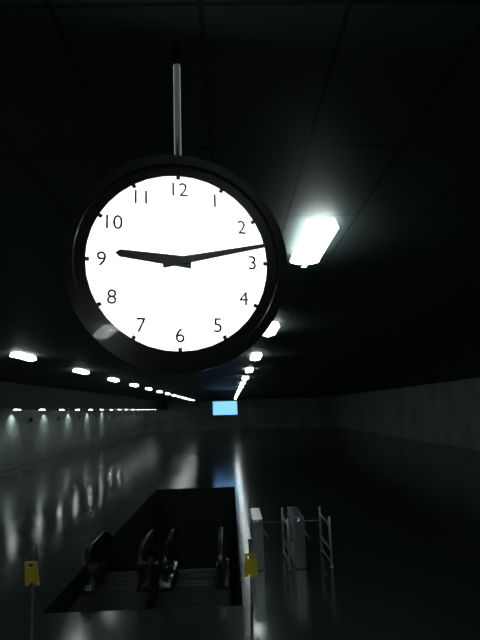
9:13
